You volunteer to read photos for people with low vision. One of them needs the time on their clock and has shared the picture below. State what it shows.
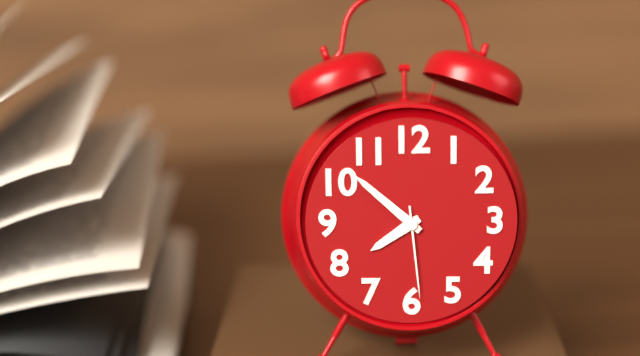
7:52:29
